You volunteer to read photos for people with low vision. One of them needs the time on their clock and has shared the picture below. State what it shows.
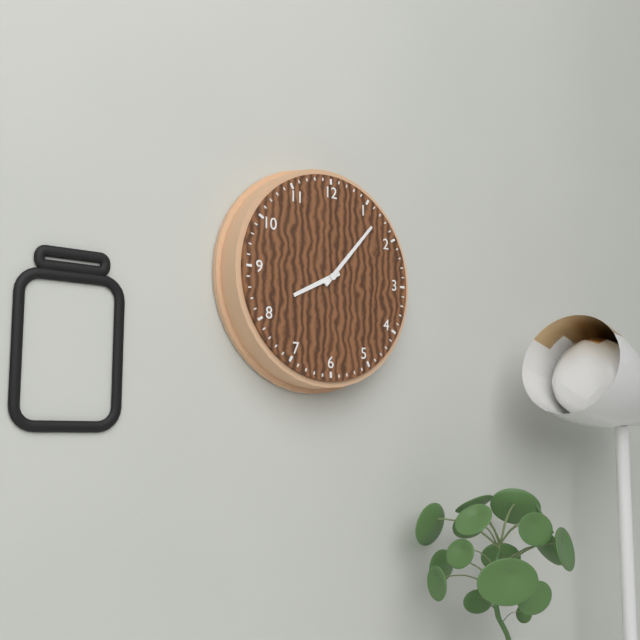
8:07
